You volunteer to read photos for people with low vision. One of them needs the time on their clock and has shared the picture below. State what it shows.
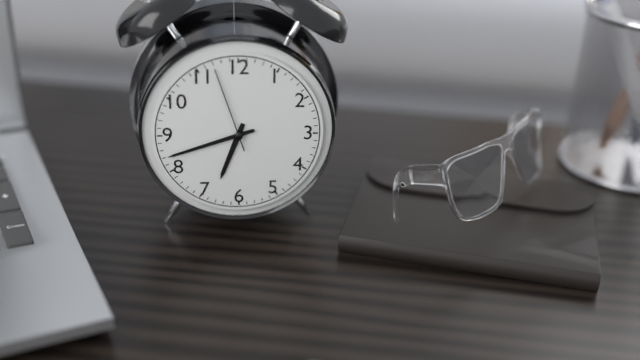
6:42:57
